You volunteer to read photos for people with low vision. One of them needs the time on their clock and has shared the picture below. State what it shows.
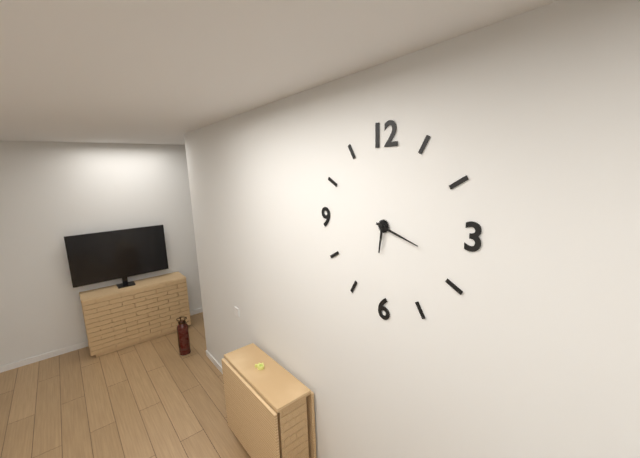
6:18
